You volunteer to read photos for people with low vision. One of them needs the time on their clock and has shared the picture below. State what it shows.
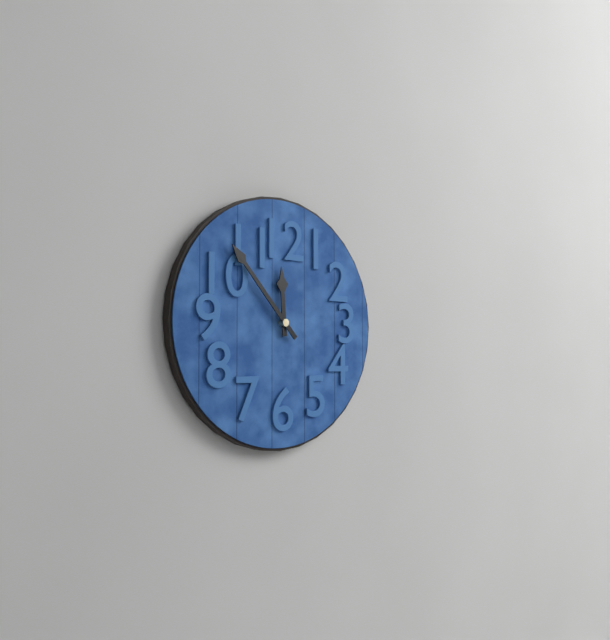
11:53
